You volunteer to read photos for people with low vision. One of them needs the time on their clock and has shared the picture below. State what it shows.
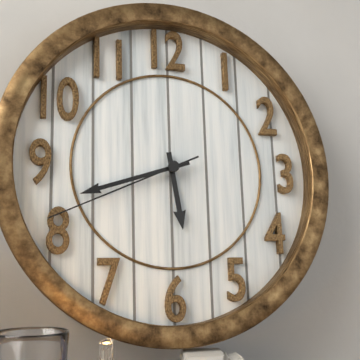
5:42:41
